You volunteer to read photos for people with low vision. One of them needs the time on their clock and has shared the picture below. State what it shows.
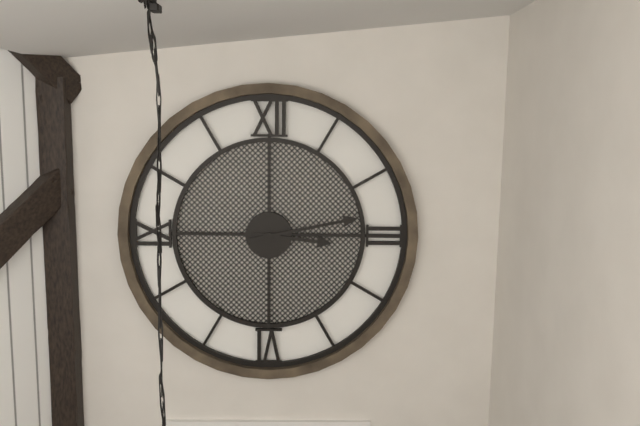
3:13
